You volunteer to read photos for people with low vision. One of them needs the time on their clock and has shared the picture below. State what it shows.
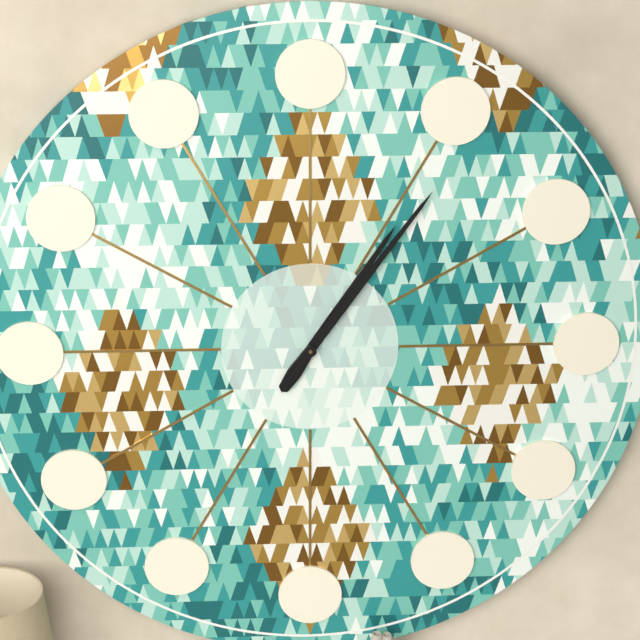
1:06
